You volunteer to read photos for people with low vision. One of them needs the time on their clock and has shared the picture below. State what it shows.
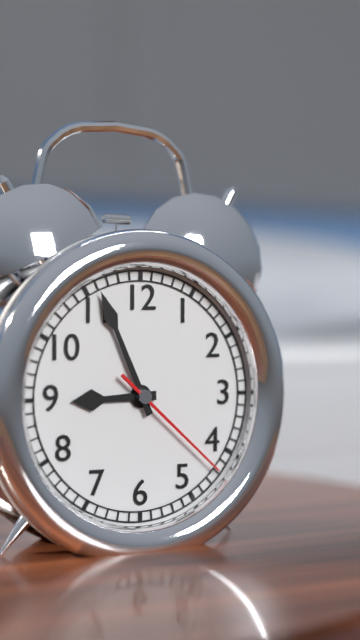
8:56:22
